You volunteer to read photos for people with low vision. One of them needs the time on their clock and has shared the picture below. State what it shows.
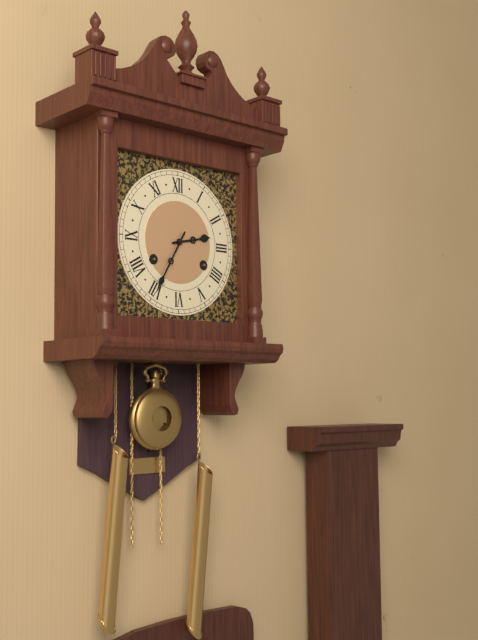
2:35
